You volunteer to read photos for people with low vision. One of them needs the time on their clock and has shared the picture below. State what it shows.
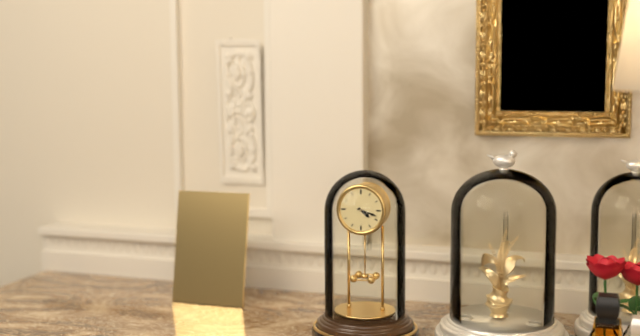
4:18
